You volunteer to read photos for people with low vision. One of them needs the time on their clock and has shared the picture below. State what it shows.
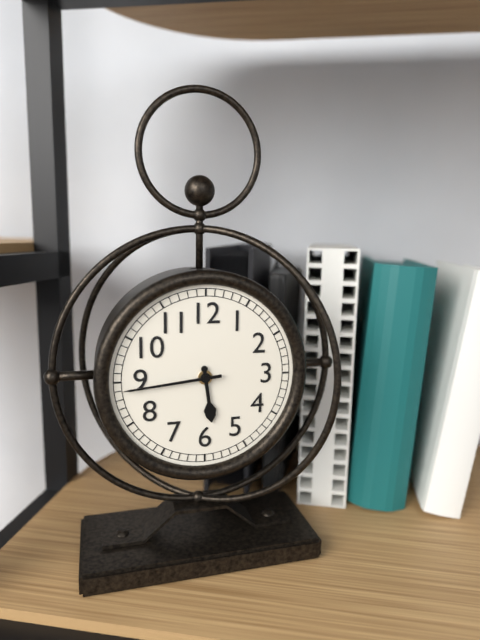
5:44
